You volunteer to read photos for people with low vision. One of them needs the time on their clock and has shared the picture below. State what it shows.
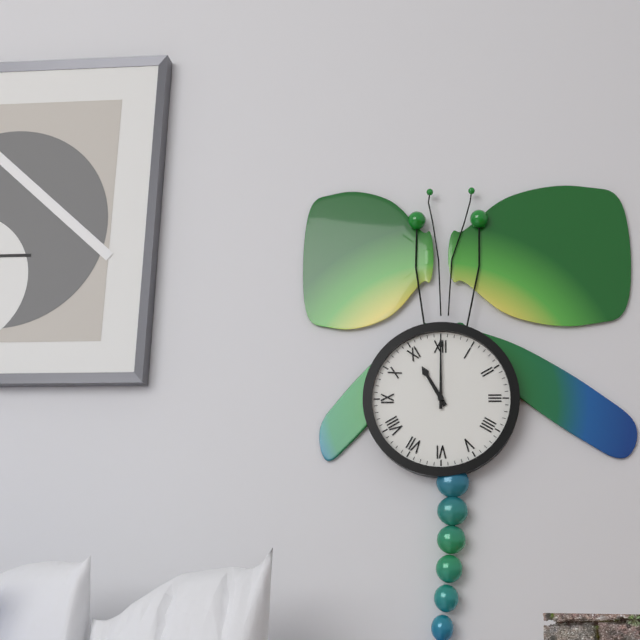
11:00
